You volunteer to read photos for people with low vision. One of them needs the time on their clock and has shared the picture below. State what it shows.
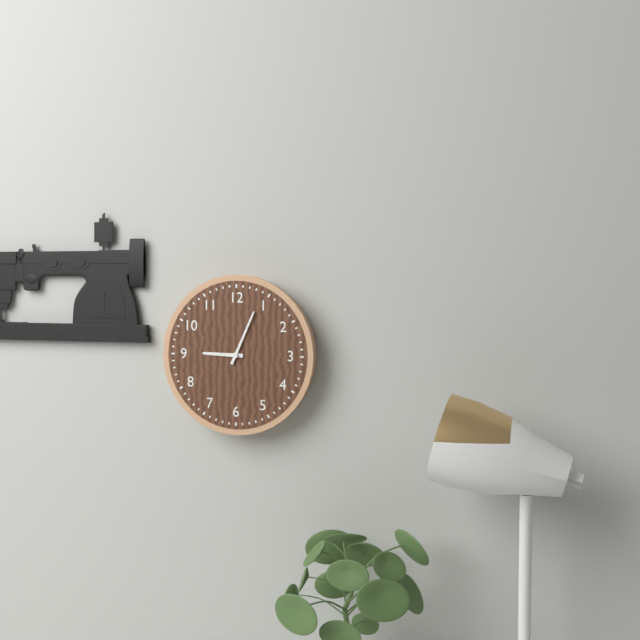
9:04
